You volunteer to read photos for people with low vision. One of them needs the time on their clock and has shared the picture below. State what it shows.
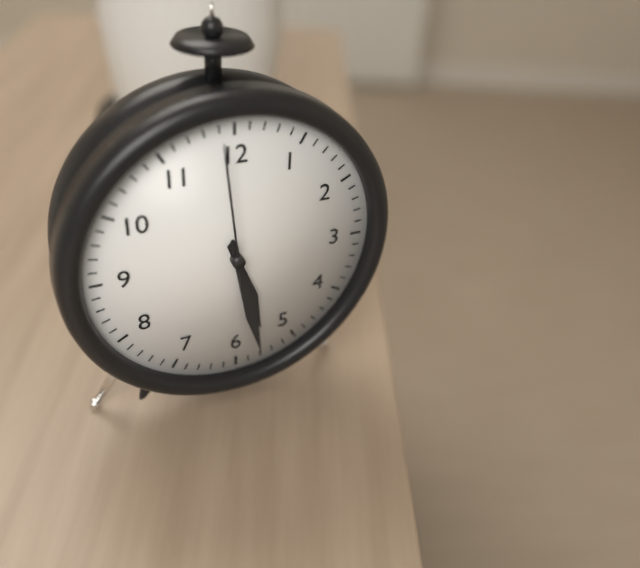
5:28:59
